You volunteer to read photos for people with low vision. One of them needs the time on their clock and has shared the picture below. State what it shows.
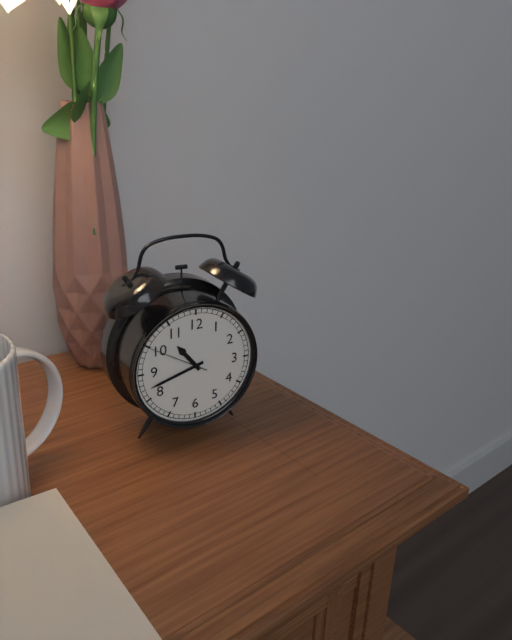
10:42:50
